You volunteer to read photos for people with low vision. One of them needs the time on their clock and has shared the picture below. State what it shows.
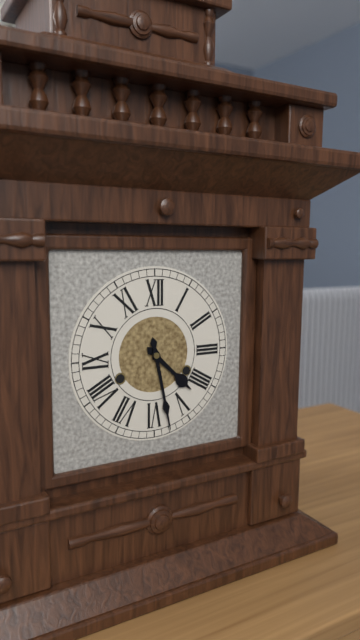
4:28
